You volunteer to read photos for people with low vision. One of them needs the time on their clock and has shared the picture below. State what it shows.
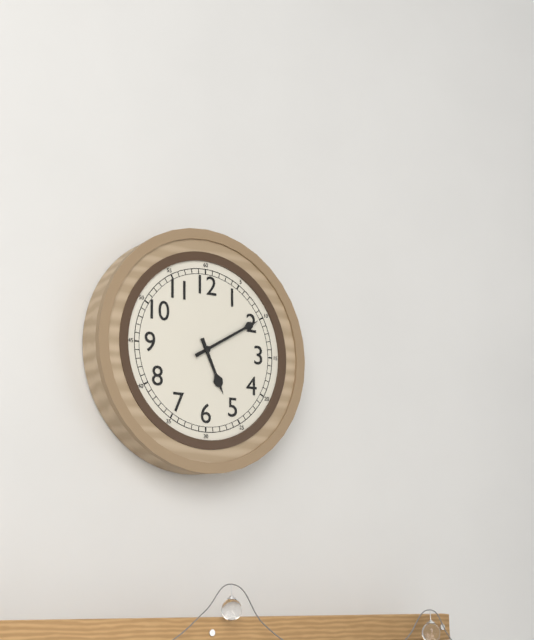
5:10
